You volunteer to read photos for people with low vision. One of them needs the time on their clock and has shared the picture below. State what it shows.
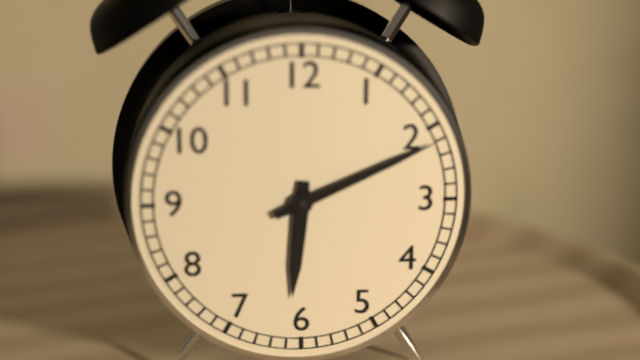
6:11
